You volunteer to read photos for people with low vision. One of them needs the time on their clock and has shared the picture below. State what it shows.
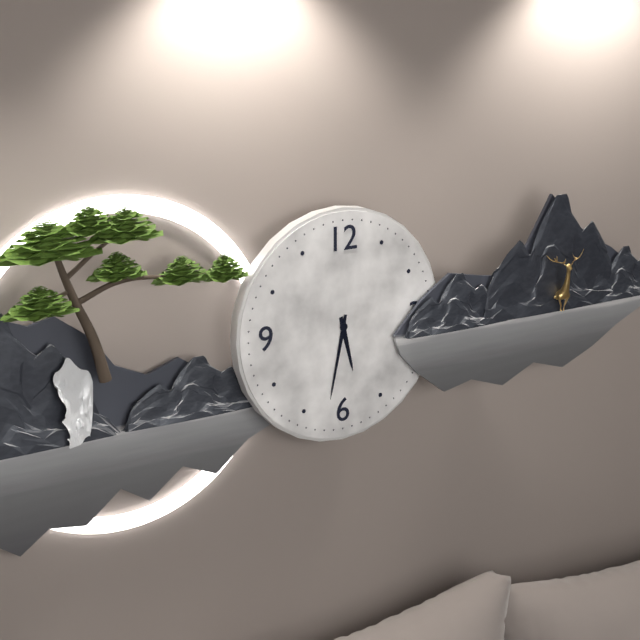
5:32
